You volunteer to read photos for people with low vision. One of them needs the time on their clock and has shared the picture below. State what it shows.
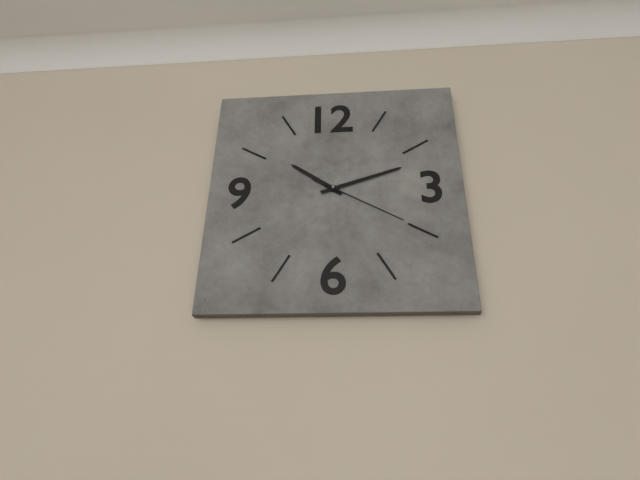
10:12:20
